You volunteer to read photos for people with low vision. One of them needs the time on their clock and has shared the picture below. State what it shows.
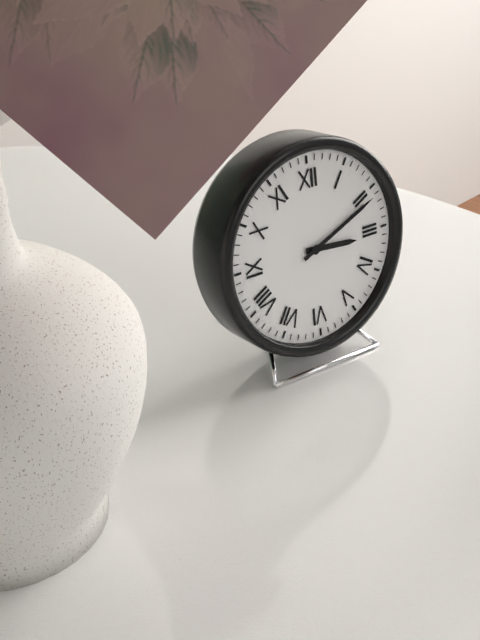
3:11
